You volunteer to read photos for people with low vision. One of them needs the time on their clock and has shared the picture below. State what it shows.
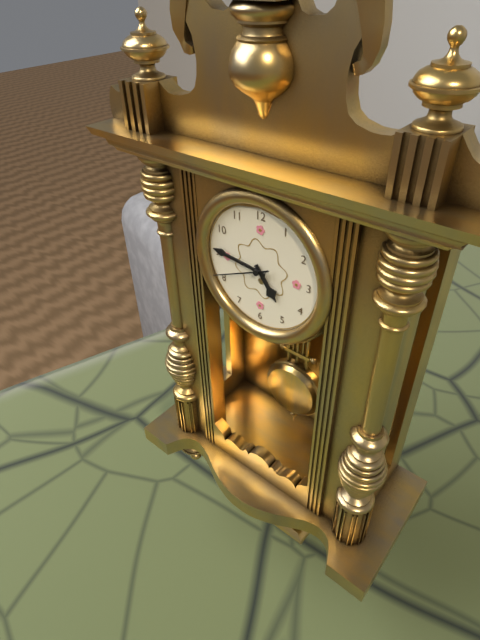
4:46:41
